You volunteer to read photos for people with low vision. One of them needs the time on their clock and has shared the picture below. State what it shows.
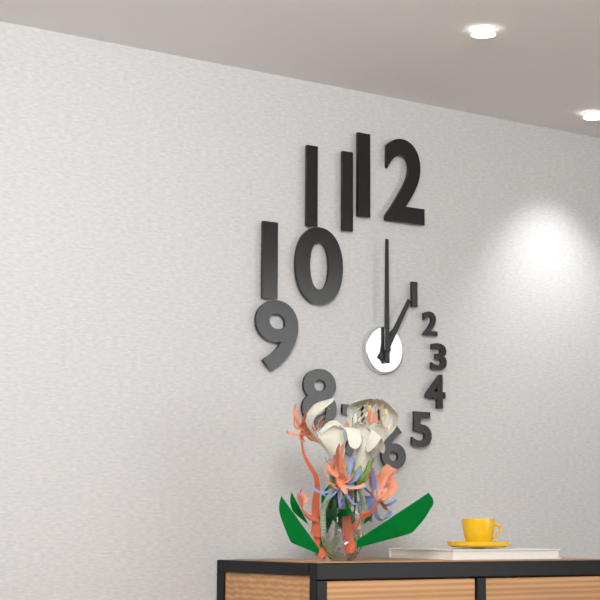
1:00
